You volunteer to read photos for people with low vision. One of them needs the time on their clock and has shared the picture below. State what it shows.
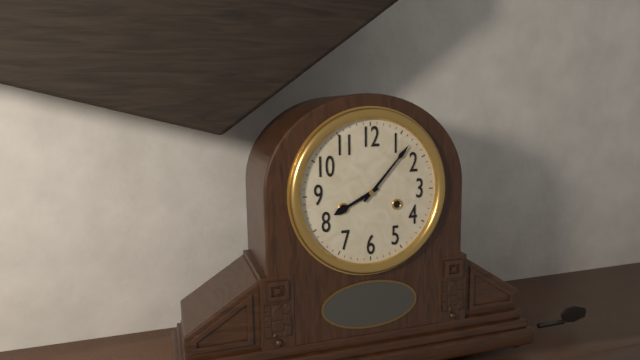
8:07
